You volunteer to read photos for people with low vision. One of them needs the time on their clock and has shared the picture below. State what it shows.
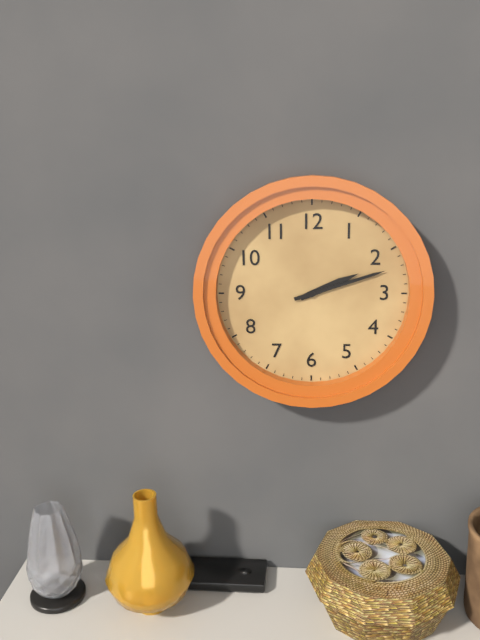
2:12
